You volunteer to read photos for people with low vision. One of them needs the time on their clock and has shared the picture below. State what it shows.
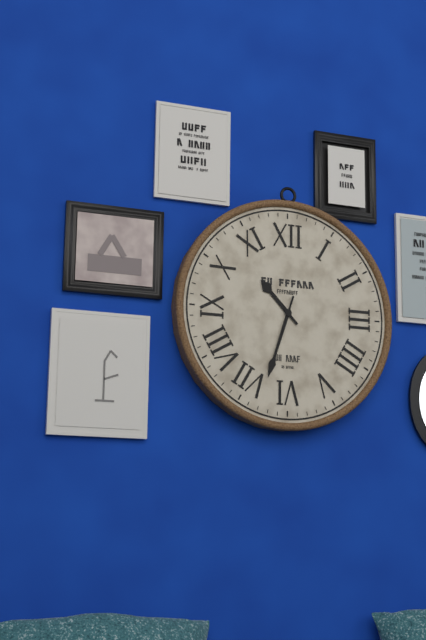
10:33
